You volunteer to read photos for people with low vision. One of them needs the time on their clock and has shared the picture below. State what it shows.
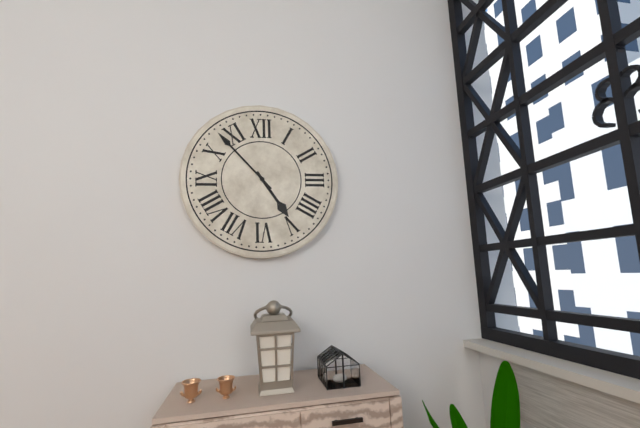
4:53
